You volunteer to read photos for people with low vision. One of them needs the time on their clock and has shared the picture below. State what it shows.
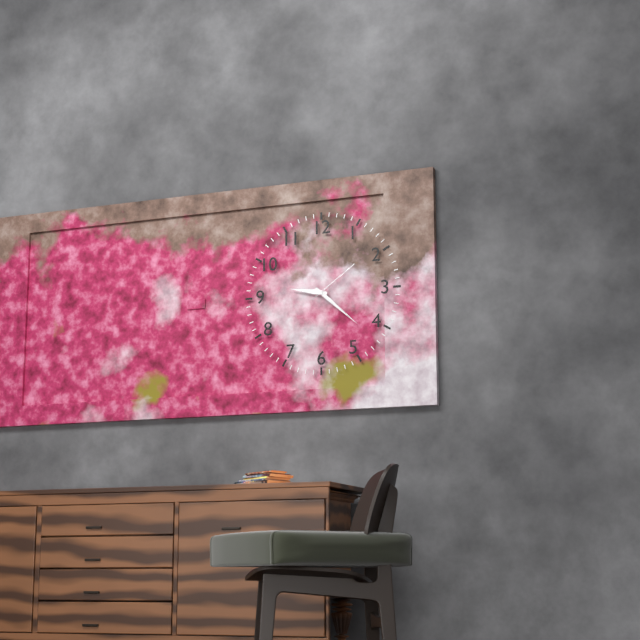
9:22:09
